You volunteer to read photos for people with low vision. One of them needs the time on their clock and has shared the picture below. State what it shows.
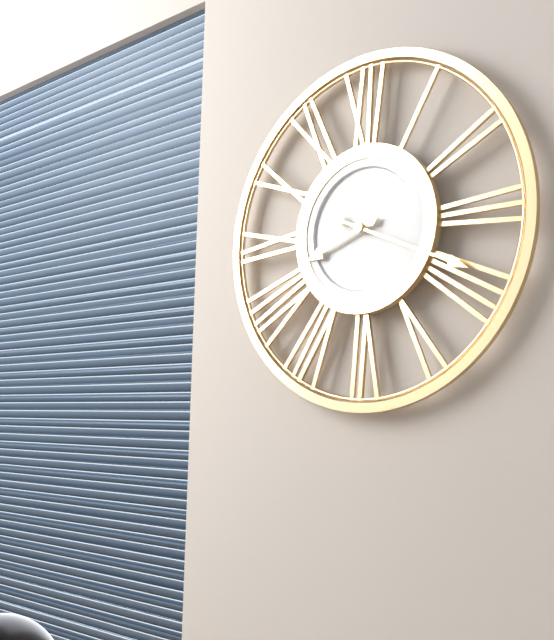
8:19
